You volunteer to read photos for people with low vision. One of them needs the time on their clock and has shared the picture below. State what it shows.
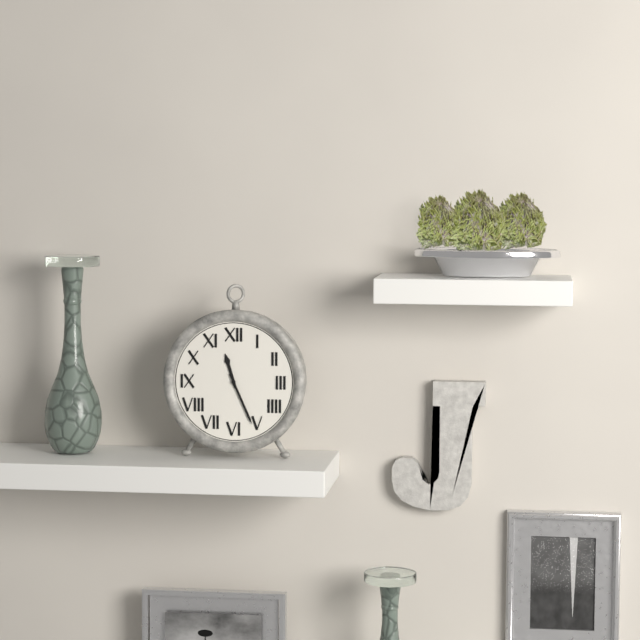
11:26
